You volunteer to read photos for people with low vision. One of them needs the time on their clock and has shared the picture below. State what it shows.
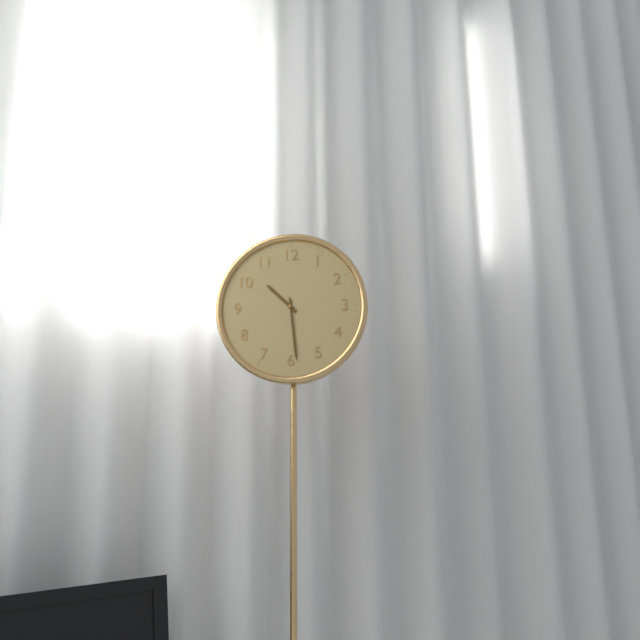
10:29
